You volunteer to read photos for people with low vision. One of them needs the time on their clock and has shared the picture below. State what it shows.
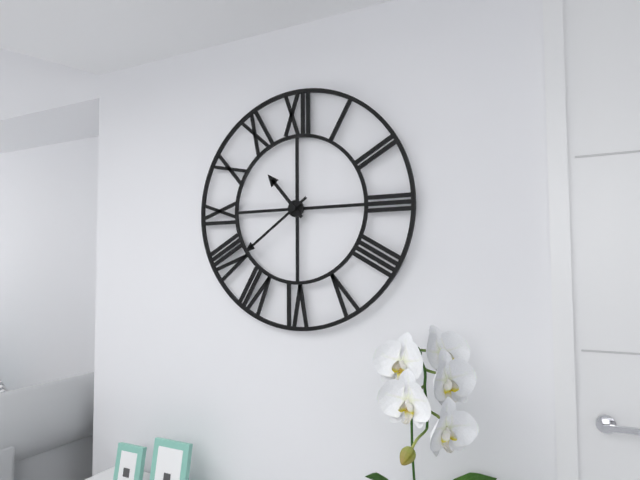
10:39
